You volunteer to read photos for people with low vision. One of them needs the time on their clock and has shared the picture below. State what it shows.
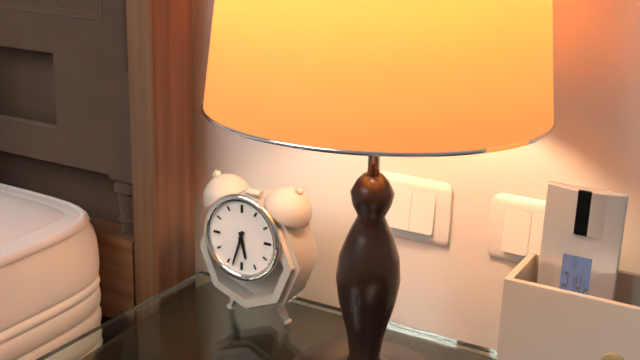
5:33
